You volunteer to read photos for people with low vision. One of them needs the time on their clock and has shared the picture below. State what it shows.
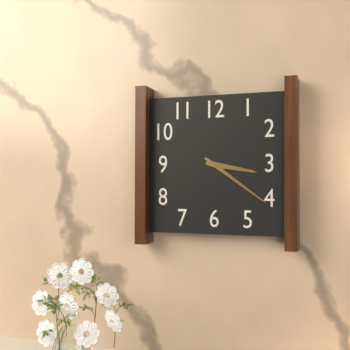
3:21
